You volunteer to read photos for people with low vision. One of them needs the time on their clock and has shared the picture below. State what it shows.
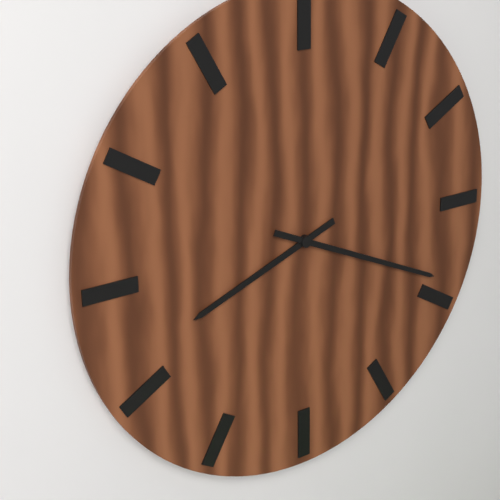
8:19
